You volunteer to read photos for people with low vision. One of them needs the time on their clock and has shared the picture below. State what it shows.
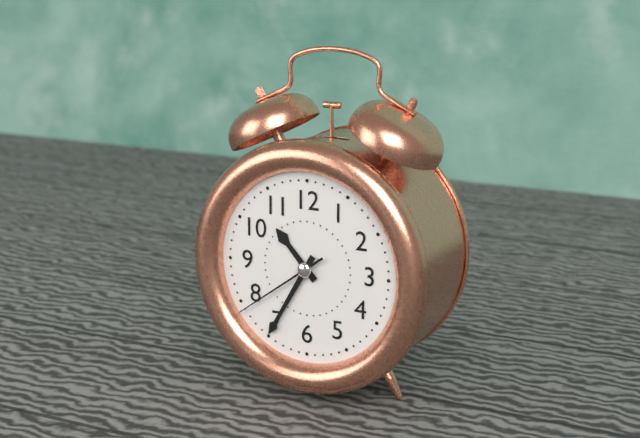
10:35:39
